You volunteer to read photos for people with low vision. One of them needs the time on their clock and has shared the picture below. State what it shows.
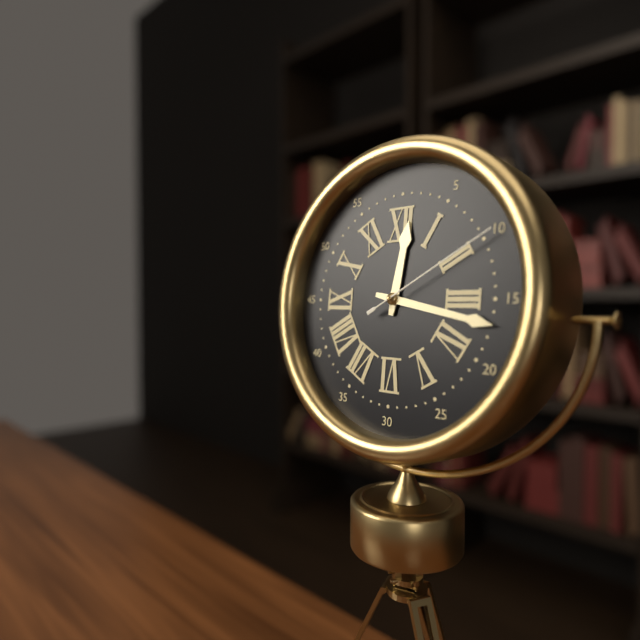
12:17:10
